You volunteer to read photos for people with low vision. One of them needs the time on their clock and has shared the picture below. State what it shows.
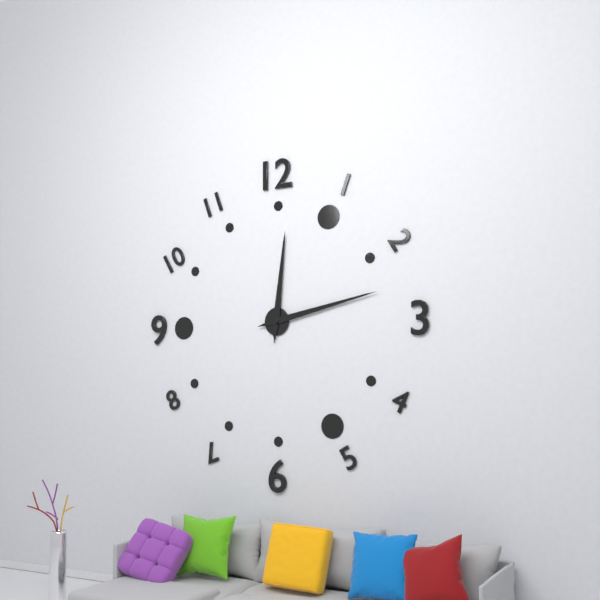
12:13
